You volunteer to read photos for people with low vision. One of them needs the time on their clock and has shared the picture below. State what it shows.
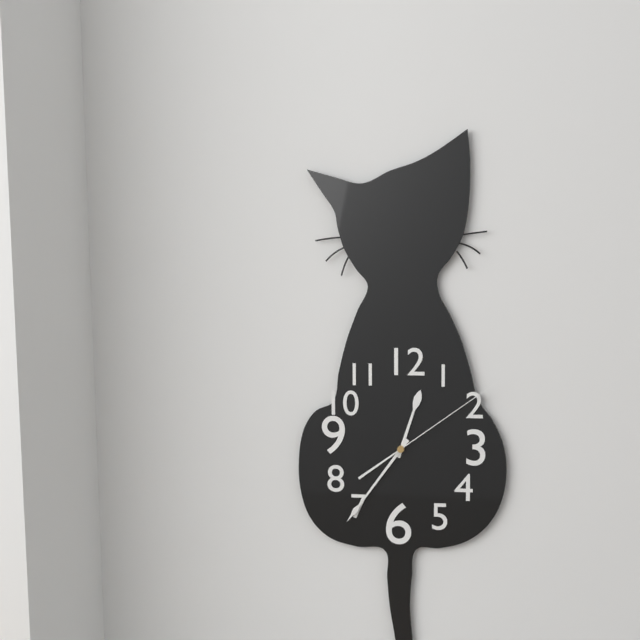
12:36:09
